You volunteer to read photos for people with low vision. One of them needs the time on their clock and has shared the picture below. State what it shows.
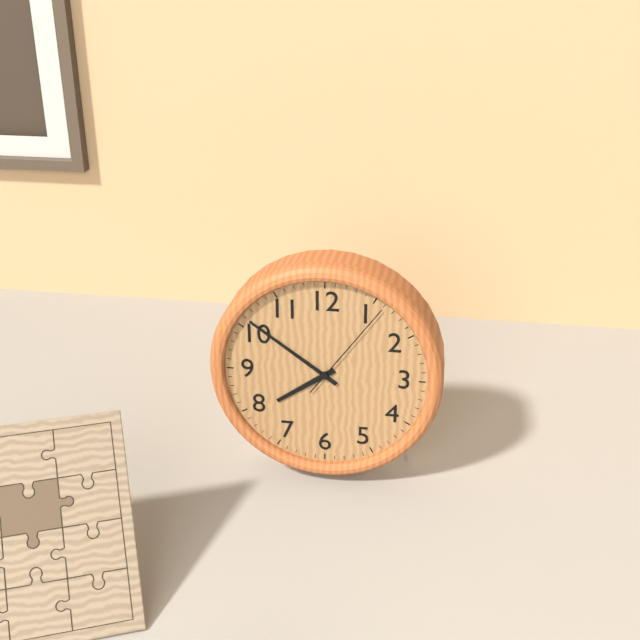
7:51:06
